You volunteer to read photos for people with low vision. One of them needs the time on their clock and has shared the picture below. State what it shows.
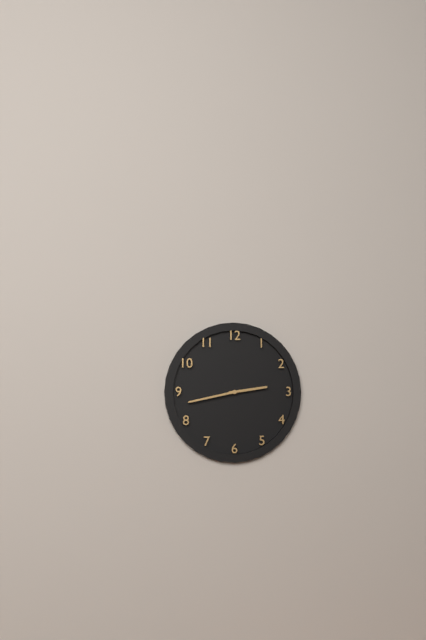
2:43
